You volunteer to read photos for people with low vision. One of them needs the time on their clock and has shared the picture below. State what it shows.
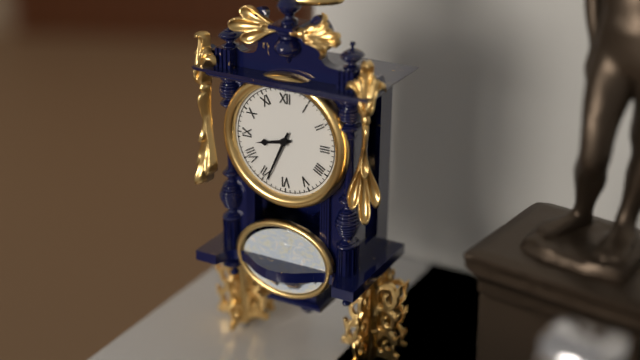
8:34
